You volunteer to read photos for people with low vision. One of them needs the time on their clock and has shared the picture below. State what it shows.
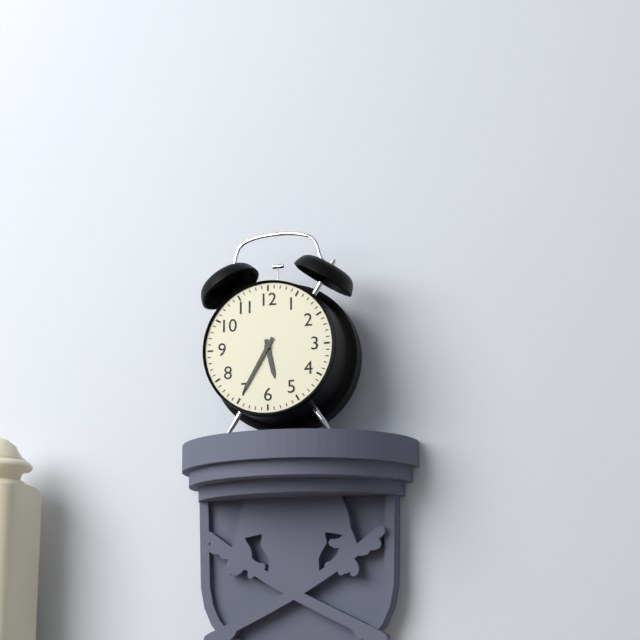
5:35
